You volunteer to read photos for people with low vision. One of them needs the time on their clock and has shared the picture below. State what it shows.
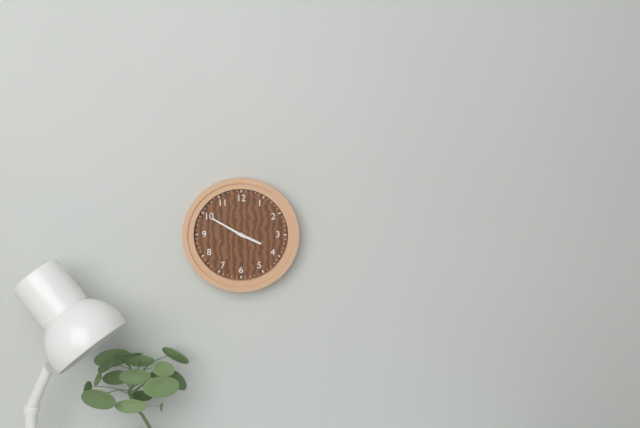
3:50
